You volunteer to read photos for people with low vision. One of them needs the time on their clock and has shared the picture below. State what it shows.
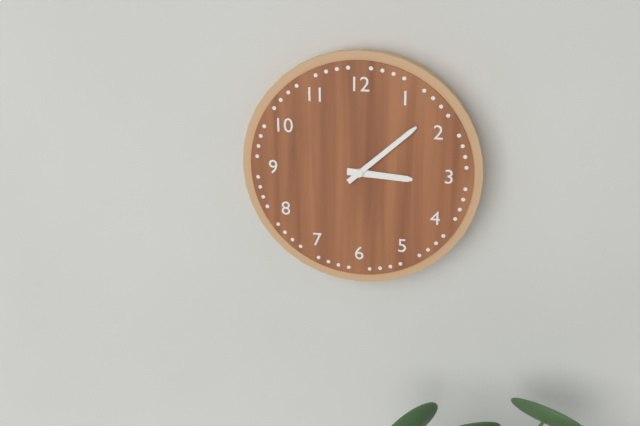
3:08
